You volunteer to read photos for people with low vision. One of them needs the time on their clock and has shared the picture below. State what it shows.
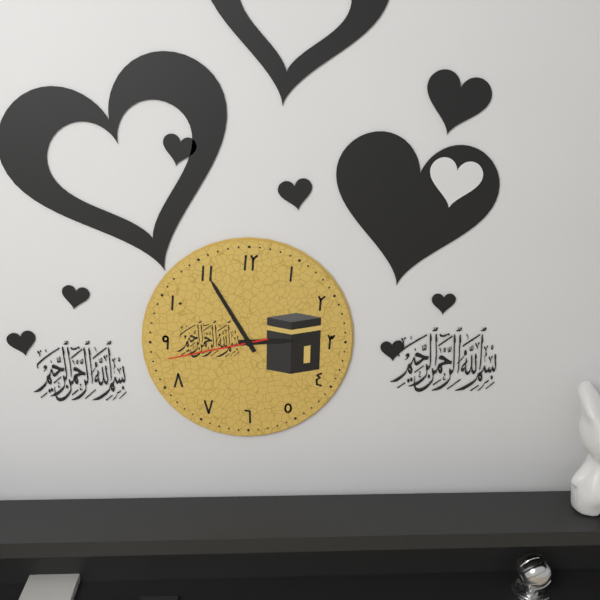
2:55:43
